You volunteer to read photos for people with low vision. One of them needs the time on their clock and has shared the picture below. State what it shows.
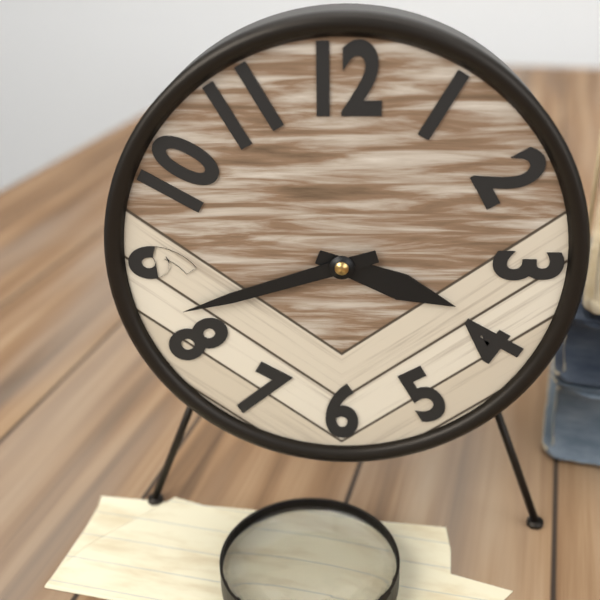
3:42
